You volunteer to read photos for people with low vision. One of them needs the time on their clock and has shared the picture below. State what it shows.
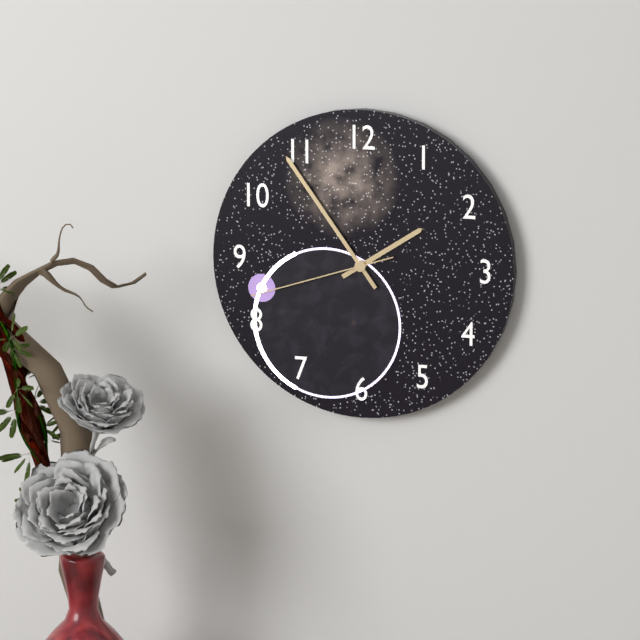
1:54:42
